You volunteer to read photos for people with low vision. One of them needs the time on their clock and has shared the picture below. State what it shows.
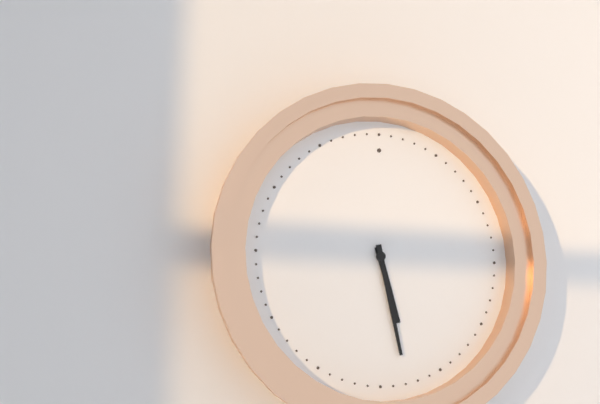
5:28
